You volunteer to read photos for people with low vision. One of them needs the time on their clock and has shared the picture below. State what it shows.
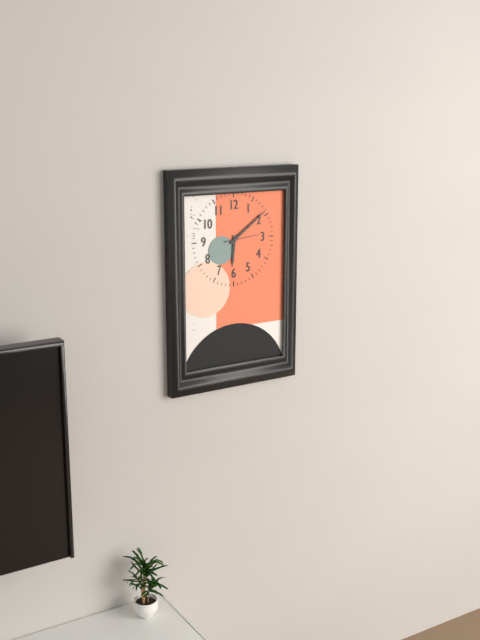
6:09
